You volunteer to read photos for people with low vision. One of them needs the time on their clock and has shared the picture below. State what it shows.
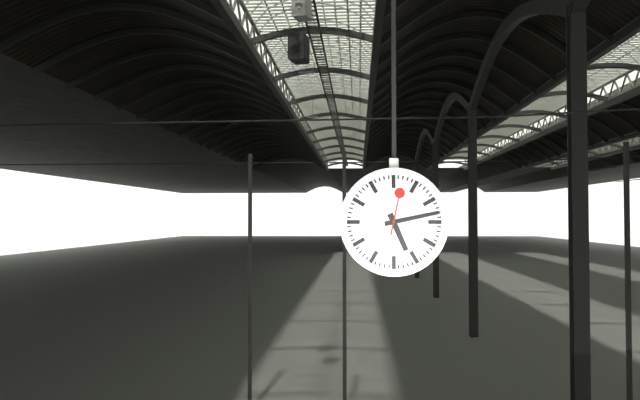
5:13
